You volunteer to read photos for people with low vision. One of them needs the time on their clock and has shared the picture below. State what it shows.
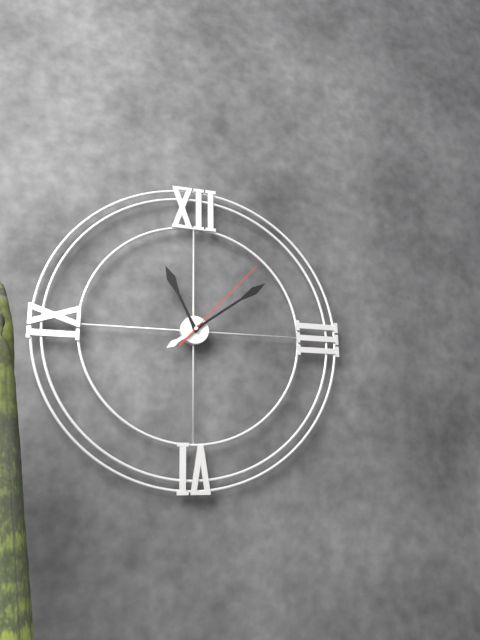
11:09:07
